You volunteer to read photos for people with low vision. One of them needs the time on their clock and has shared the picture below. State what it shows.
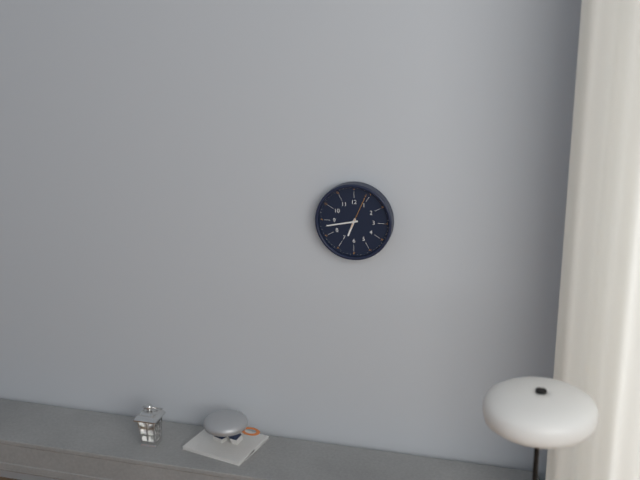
6:43
